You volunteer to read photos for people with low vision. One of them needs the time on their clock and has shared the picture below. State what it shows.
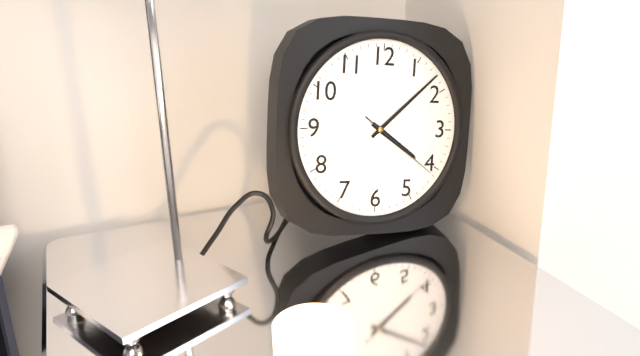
4:08:21
